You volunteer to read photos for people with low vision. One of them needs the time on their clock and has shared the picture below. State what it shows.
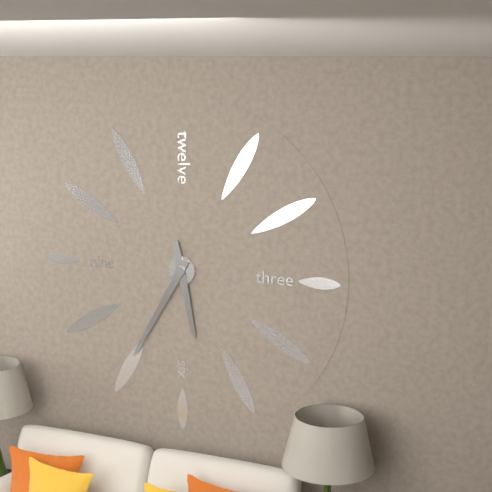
5:35
